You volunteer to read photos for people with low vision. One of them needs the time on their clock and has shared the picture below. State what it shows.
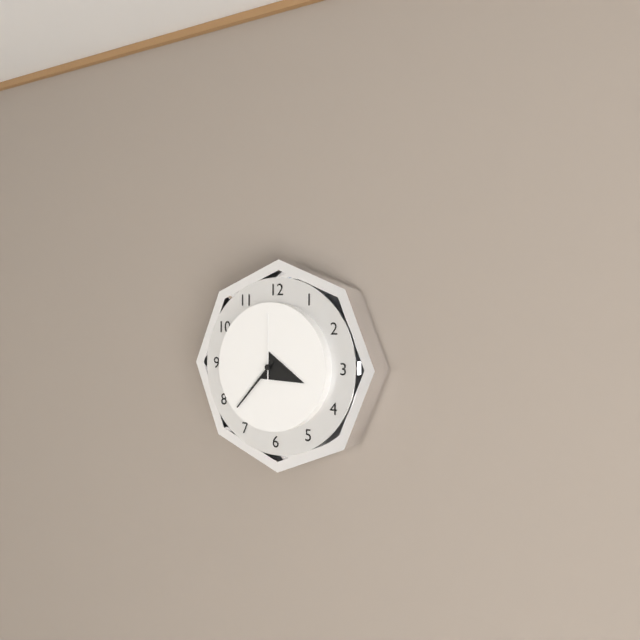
3:37:00
